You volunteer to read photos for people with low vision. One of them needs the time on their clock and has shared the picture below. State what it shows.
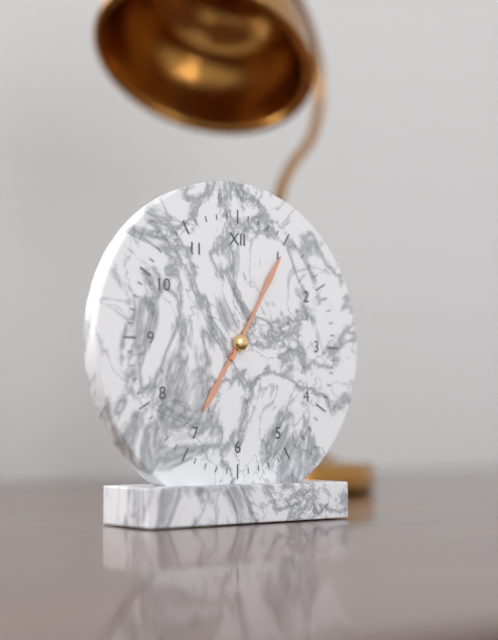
7:05
